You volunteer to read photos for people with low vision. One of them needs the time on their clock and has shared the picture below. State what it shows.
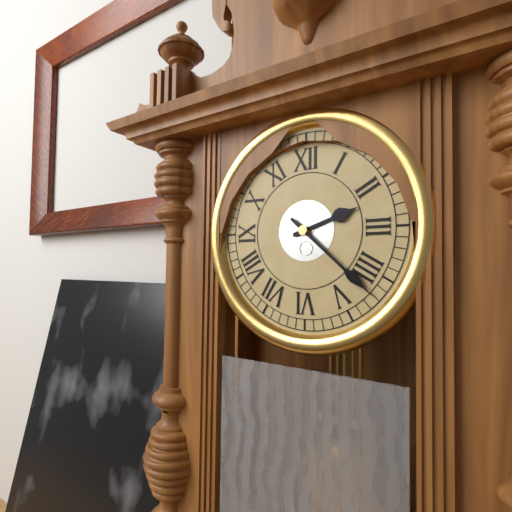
2:22
